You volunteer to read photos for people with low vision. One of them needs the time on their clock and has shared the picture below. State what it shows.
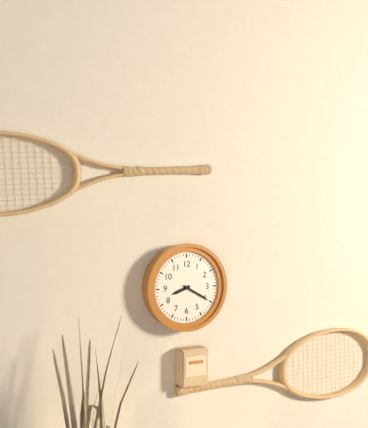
8:20
